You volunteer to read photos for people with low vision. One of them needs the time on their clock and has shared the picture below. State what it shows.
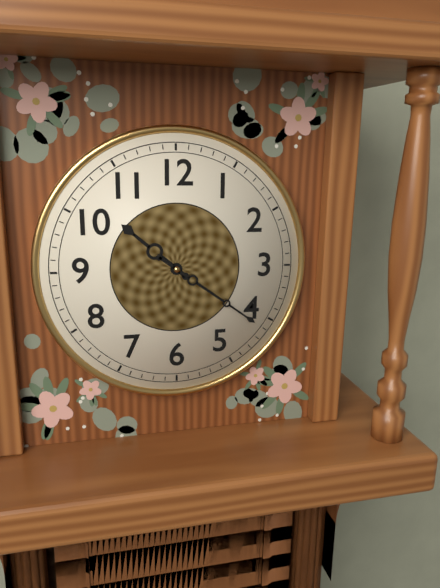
10:21
